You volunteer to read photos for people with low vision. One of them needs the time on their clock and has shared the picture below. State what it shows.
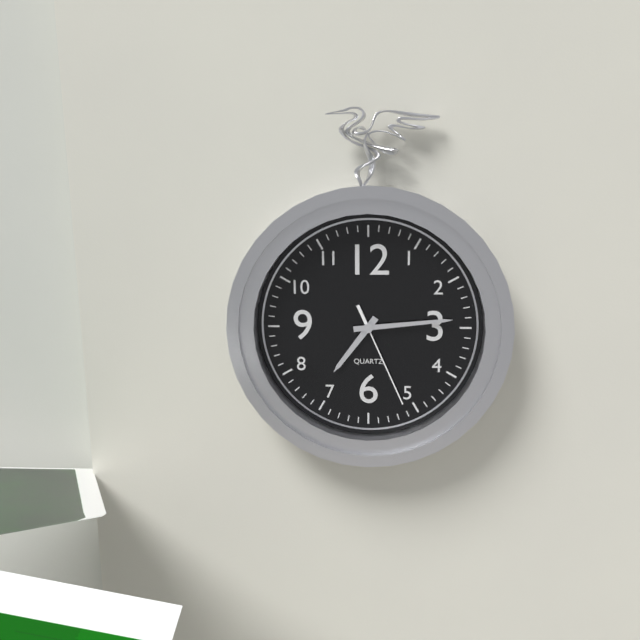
7:14:26
